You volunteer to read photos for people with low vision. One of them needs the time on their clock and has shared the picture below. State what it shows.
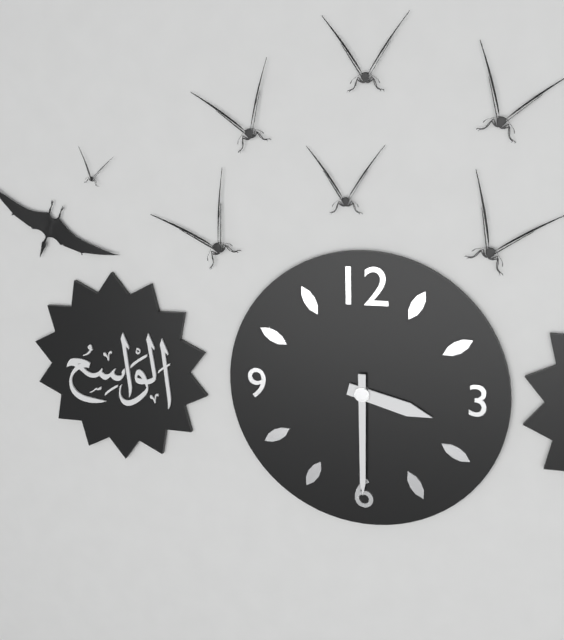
3:30
